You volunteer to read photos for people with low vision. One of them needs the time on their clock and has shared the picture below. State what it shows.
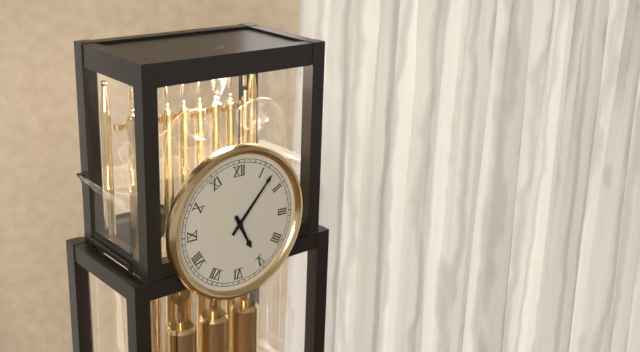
5:07
